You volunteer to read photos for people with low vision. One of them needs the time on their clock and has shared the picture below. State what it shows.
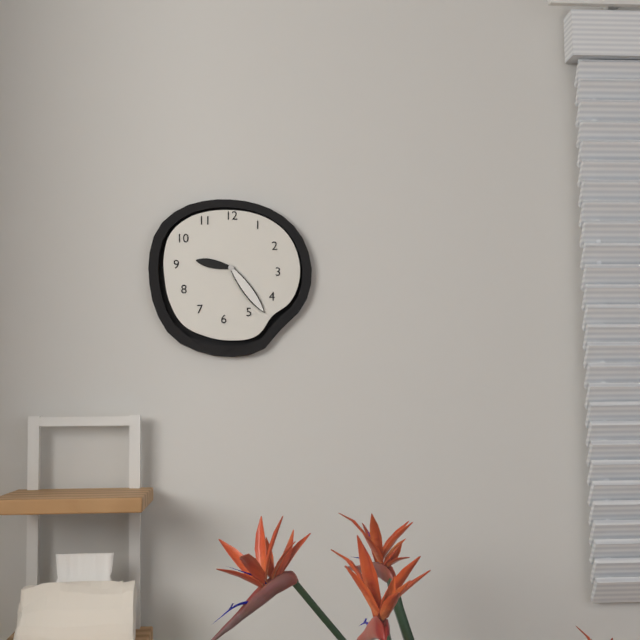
9:24
